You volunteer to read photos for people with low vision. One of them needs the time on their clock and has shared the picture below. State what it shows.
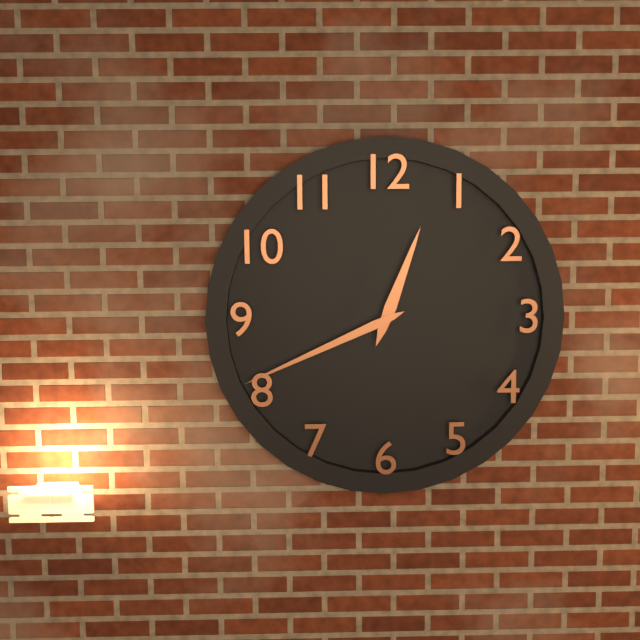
12:41
